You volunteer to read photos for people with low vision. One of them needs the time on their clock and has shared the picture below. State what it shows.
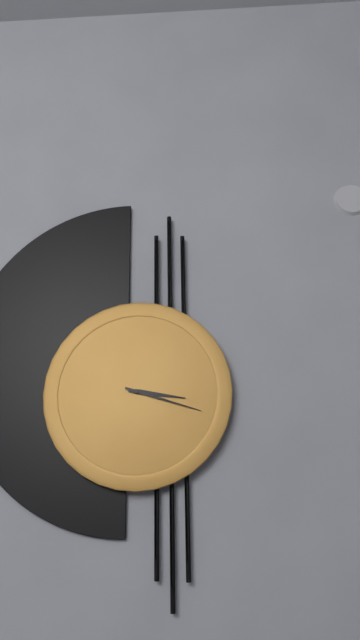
3:18
